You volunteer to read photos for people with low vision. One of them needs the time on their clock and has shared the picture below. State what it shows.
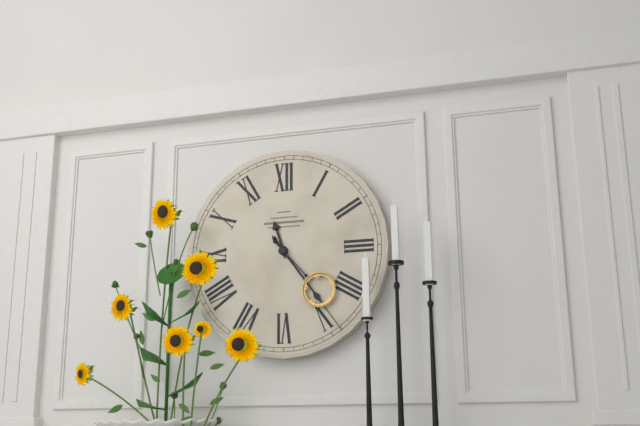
11:24:23
